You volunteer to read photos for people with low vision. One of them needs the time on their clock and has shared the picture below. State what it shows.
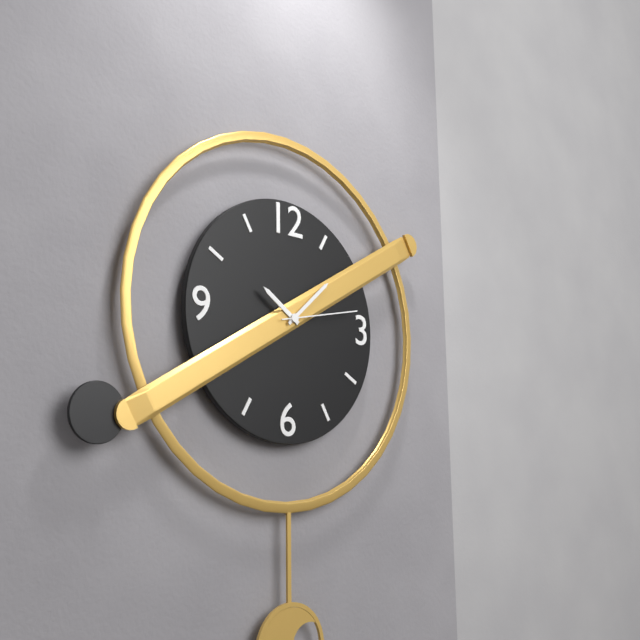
10:08:13
